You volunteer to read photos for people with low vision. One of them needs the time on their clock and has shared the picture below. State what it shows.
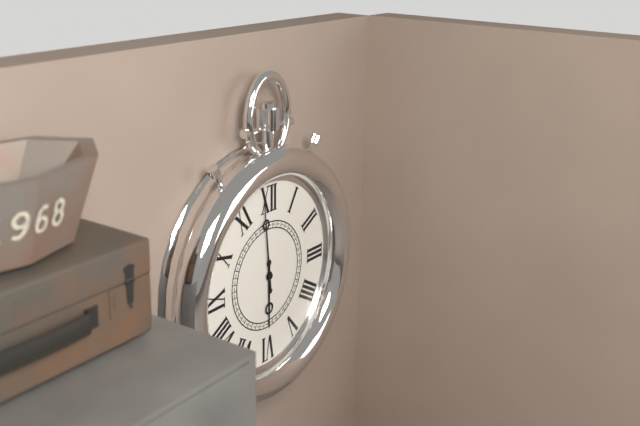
5:59
